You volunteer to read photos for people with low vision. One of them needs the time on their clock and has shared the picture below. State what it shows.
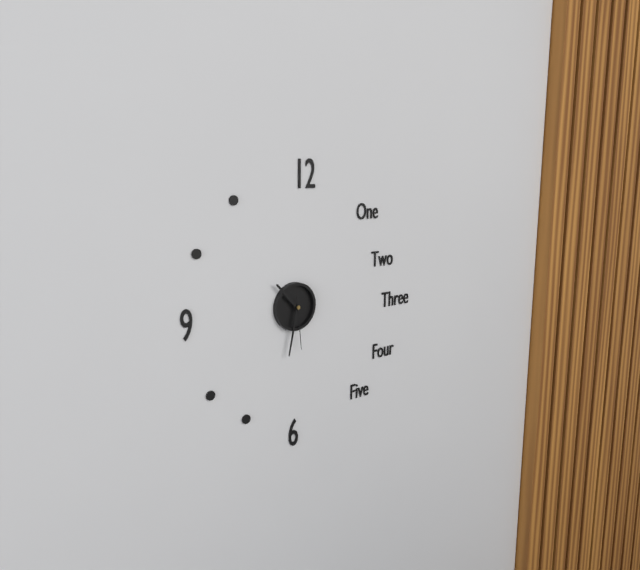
10:32:29
